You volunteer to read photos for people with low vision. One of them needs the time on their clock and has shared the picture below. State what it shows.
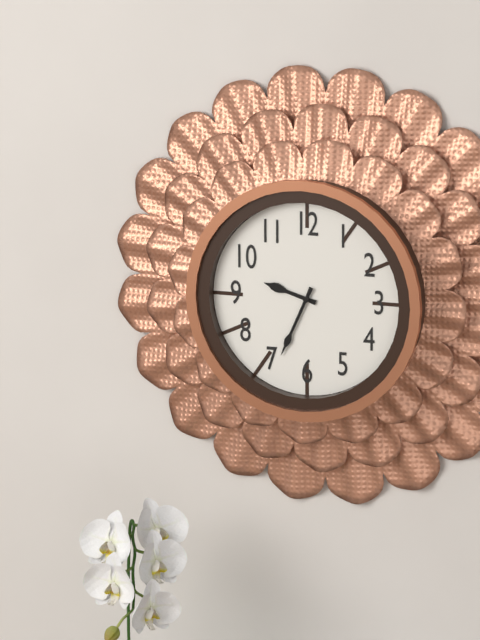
9:34
